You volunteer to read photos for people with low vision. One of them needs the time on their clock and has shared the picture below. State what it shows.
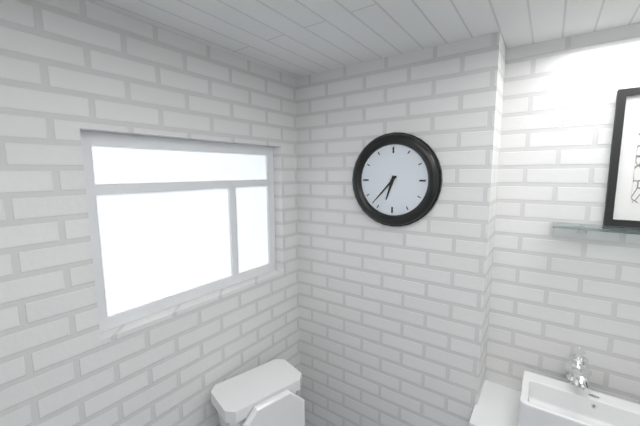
6:37
